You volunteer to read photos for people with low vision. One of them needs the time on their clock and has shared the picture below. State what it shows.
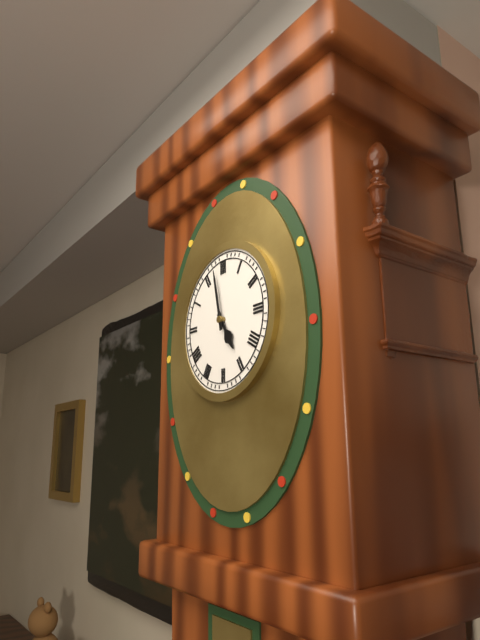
4:58
